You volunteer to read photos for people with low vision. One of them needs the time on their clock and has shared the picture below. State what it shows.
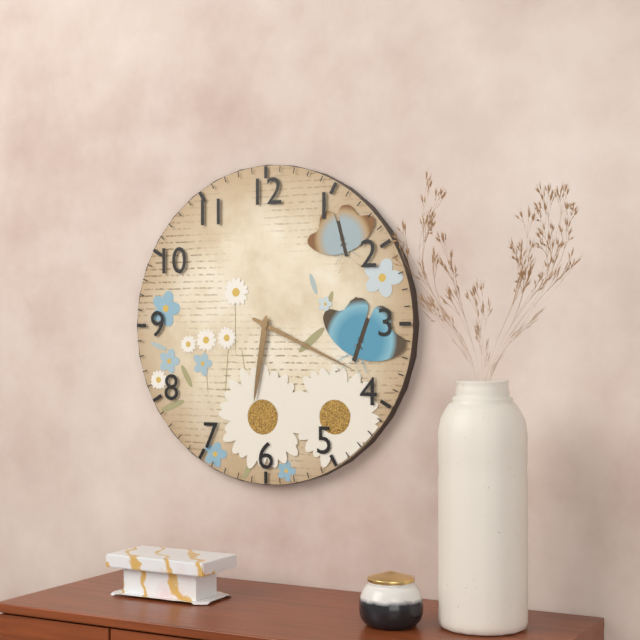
6:19
